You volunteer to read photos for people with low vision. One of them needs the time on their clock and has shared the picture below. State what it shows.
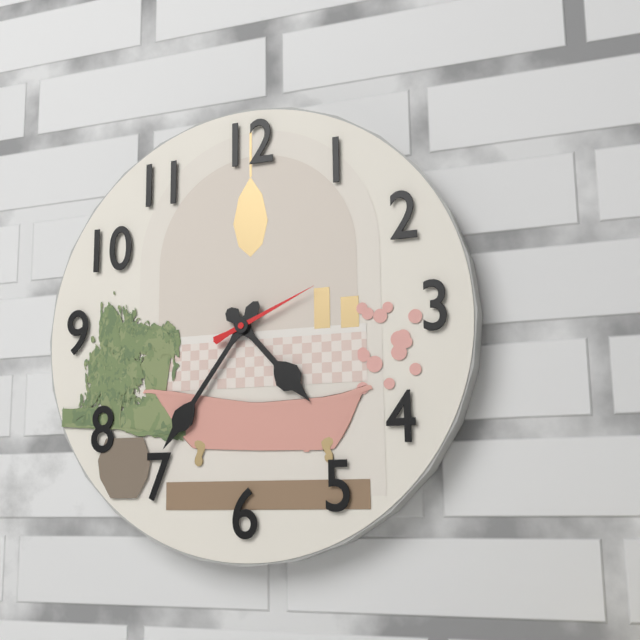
4:36:11
